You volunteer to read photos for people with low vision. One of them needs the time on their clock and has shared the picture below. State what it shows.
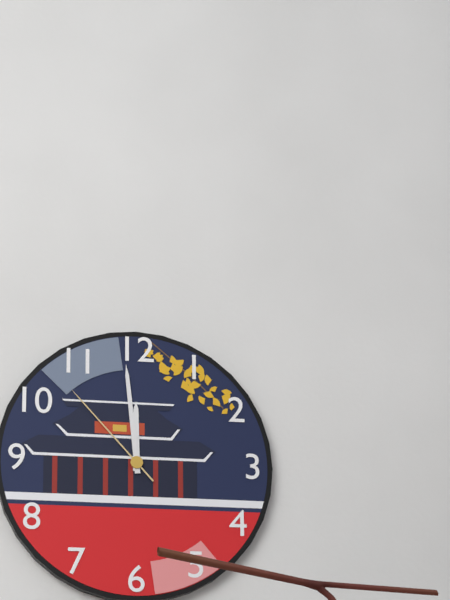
11:59:53
